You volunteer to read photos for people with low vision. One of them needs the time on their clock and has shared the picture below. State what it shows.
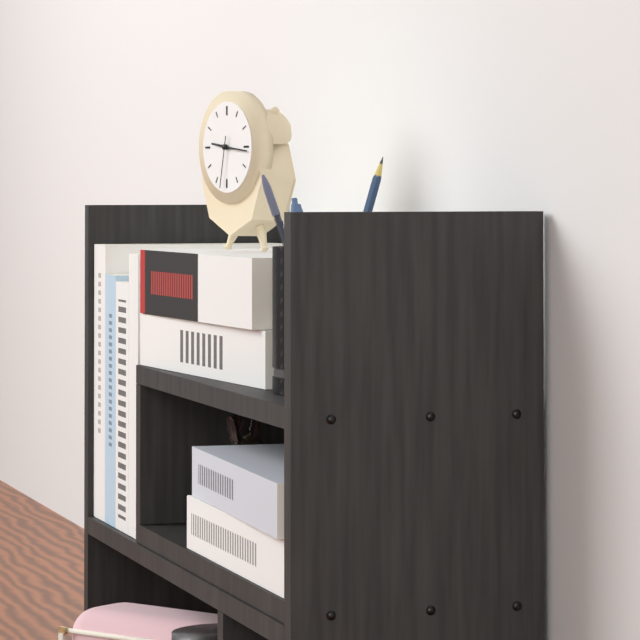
9:16:32
